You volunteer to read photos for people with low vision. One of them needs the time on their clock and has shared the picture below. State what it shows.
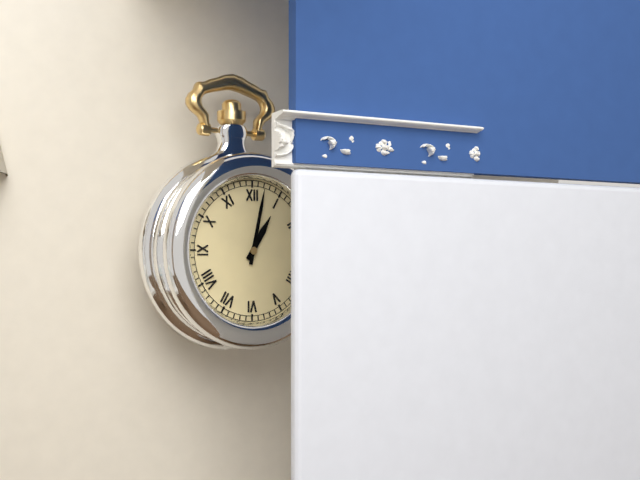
1:02
